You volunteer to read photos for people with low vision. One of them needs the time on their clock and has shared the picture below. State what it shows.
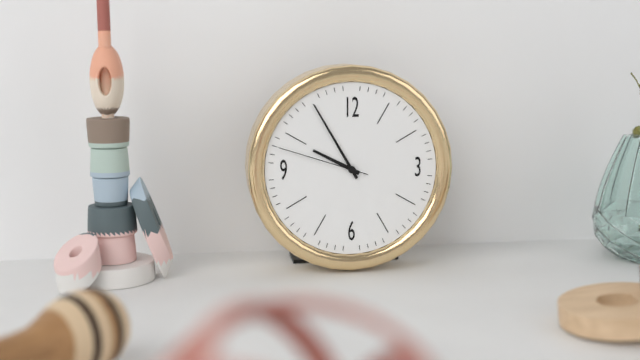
9:55:48
